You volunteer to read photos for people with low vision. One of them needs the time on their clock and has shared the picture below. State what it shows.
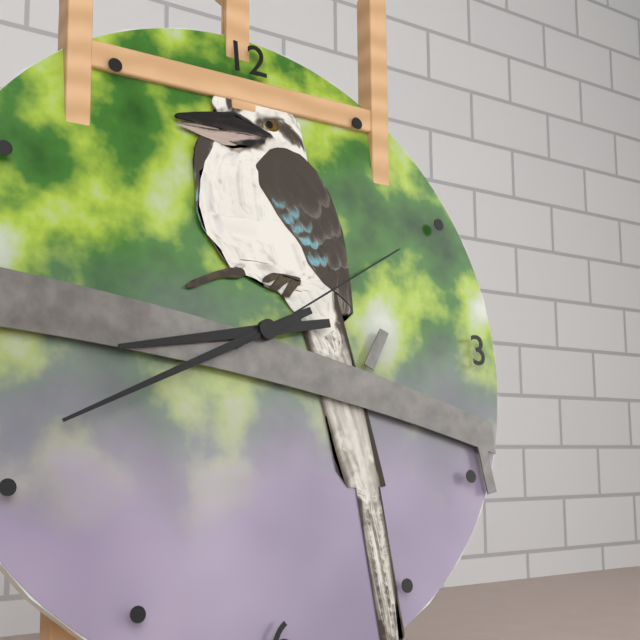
8:41:10
